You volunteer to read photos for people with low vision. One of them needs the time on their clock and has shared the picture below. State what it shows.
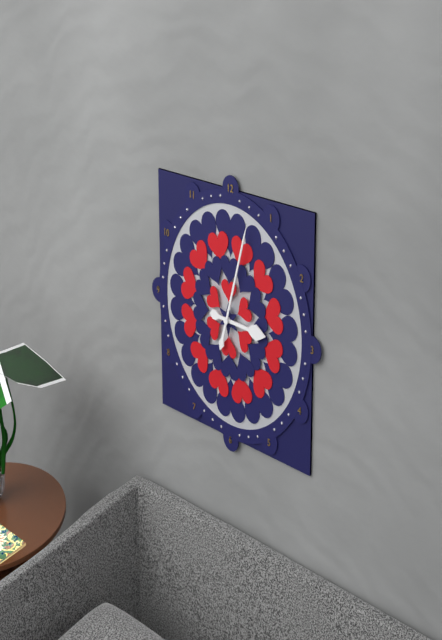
3:03
